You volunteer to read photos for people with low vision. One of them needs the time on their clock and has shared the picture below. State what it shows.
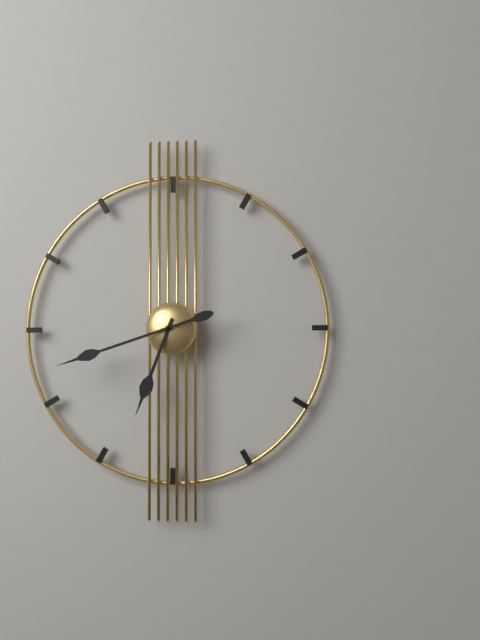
6:42
